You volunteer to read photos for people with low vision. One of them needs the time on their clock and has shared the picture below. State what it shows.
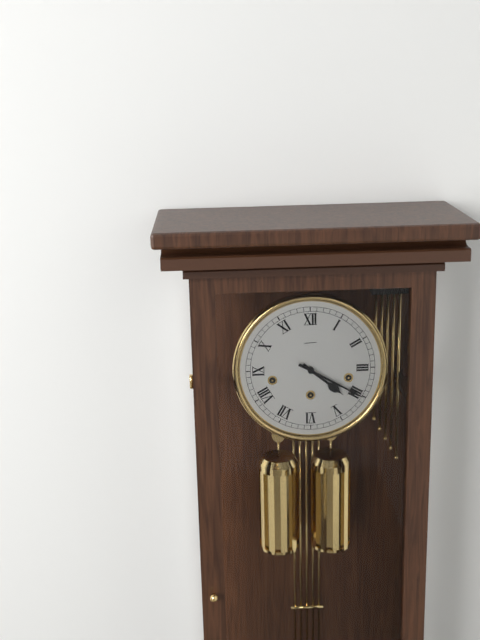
4:20
